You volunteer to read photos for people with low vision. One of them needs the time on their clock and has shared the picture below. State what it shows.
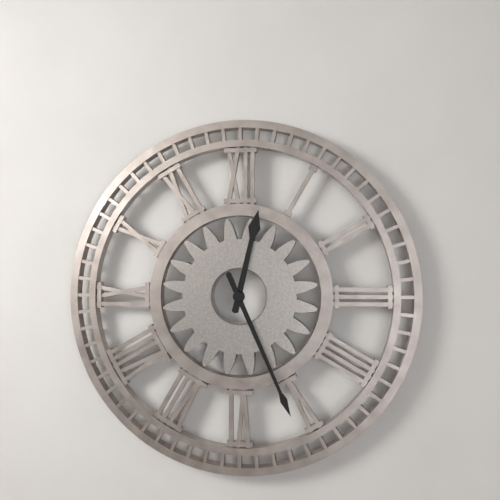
12:26
